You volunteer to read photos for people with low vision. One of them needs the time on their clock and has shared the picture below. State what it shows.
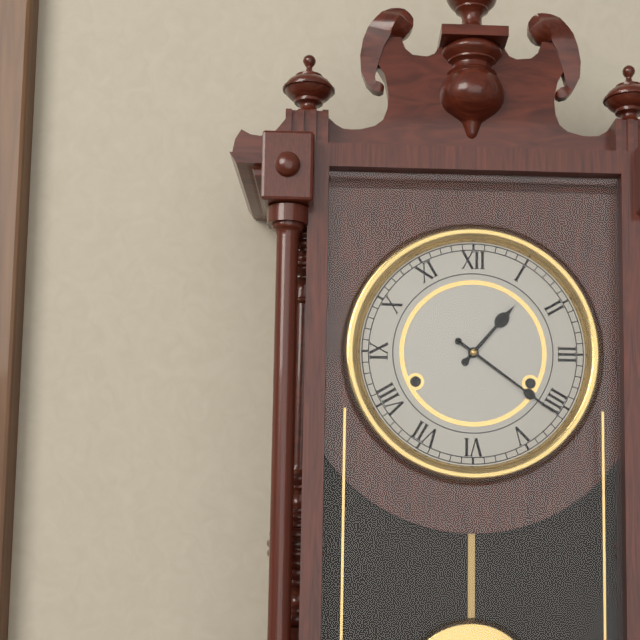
1:21
